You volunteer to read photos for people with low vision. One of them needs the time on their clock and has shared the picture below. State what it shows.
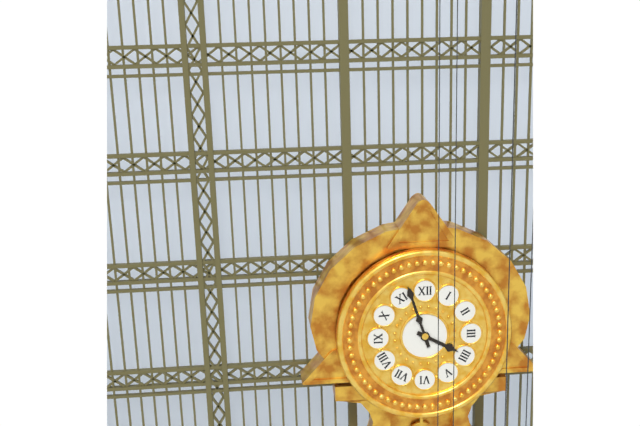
3:57
